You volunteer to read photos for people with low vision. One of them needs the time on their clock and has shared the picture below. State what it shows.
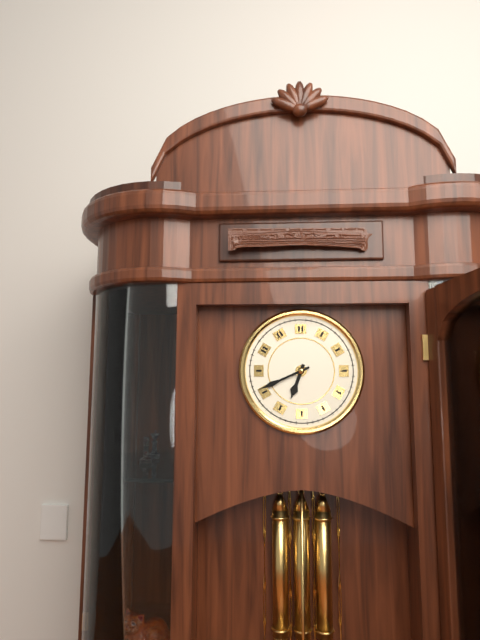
6:41
